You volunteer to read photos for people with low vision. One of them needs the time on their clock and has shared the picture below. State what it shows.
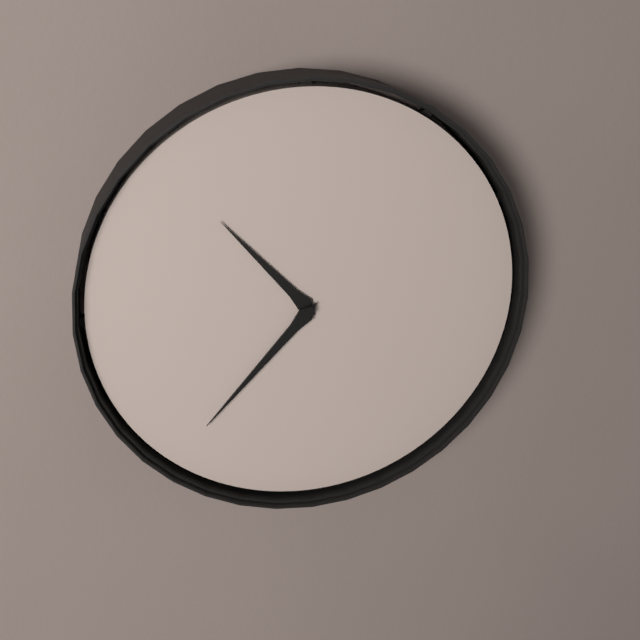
10:37
